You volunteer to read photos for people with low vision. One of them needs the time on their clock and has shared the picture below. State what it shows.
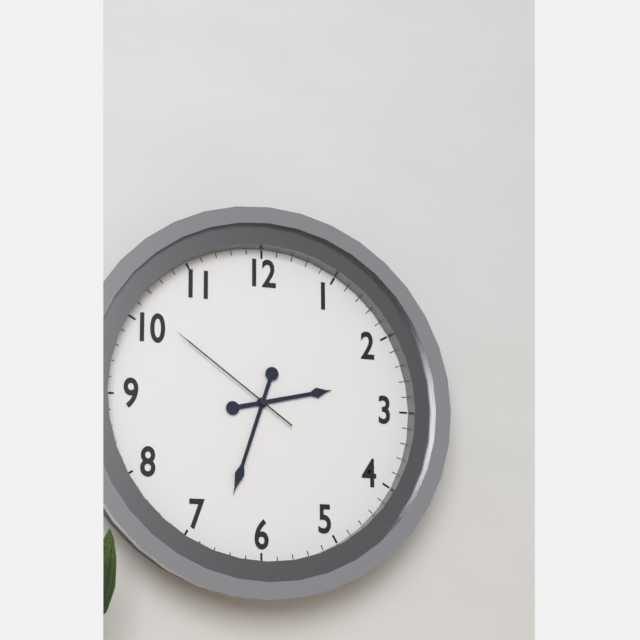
2:33:51
